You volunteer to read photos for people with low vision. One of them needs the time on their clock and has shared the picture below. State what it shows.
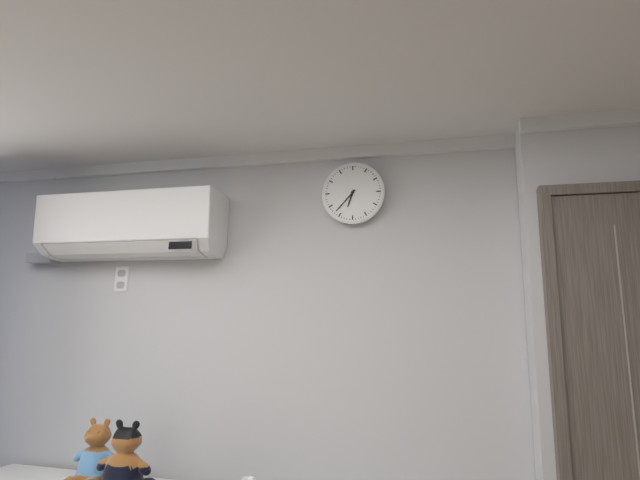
6:37
